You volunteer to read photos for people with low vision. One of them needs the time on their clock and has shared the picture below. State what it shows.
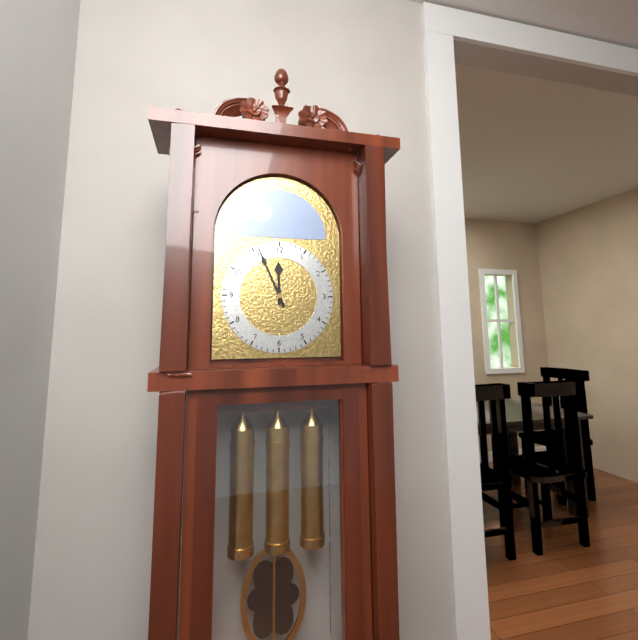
11:56
